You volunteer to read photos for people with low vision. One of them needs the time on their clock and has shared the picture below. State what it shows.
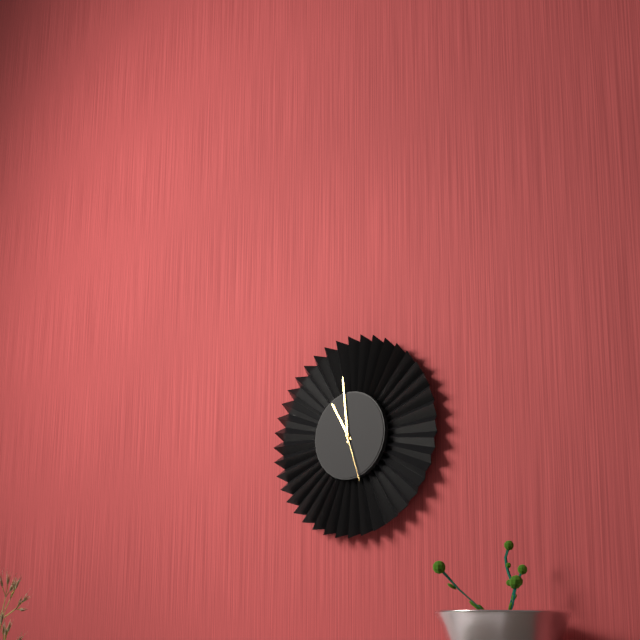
10:59:27
